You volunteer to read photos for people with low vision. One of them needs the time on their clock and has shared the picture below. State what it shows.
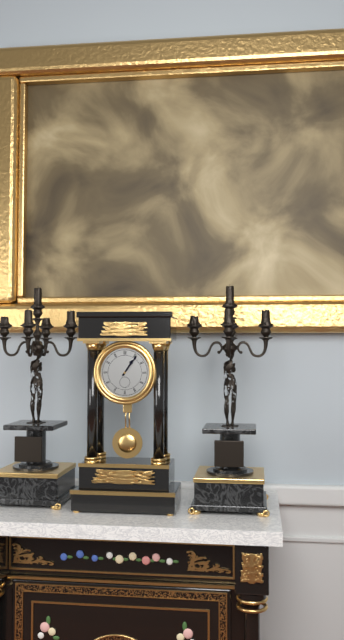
1:06
